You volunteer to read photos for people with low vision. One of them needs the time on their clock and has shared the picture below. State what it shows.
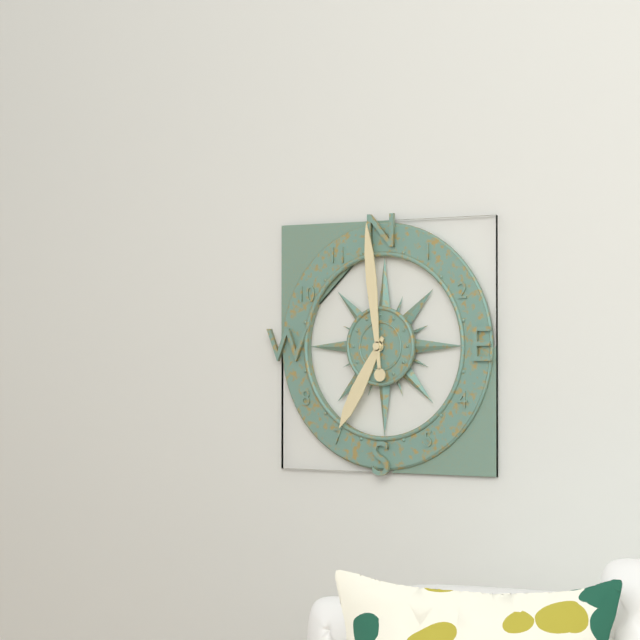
6:59
